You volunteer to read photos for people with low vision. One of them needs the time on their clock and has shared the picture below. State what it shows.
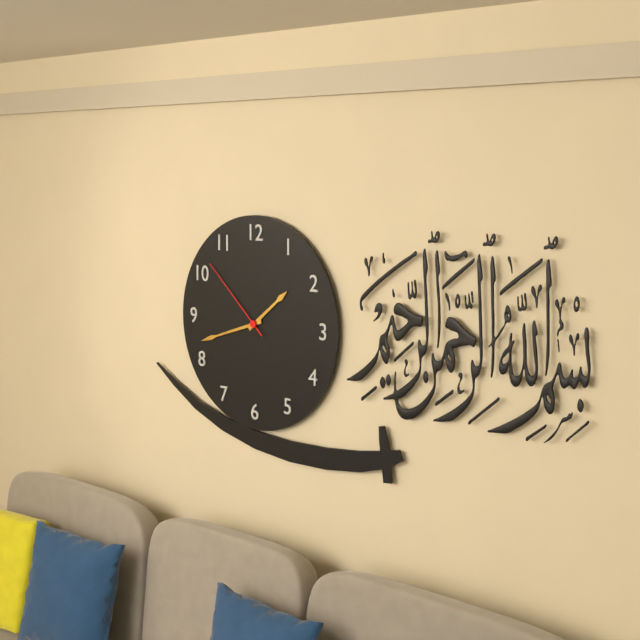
1:42:52
